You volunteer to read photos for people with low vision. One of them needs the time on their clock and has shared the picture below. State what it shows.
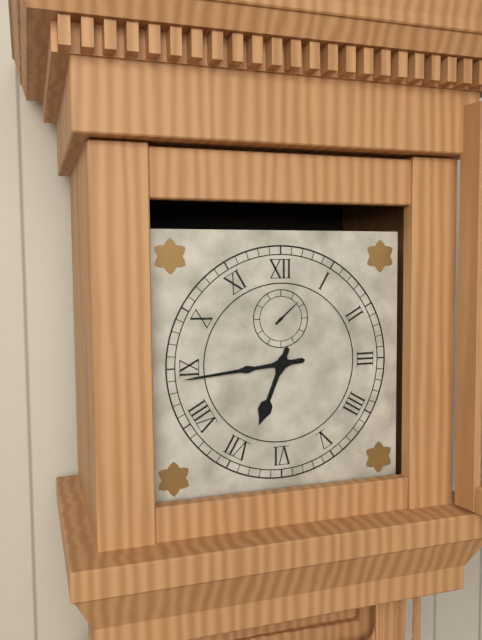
6:44
